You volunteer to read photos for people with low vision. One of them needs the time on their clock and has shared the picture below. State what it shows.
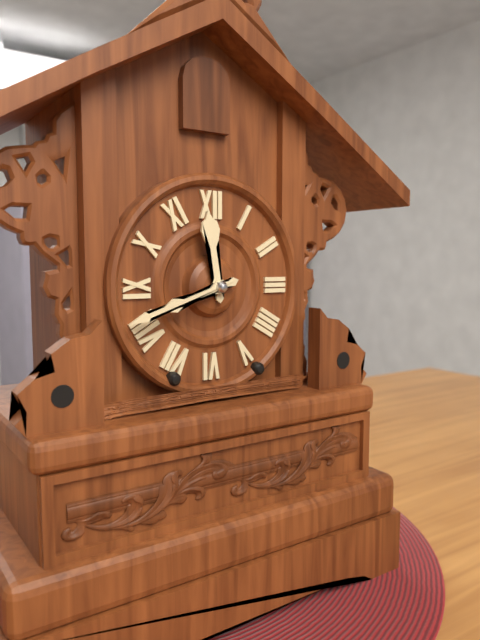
11:42
